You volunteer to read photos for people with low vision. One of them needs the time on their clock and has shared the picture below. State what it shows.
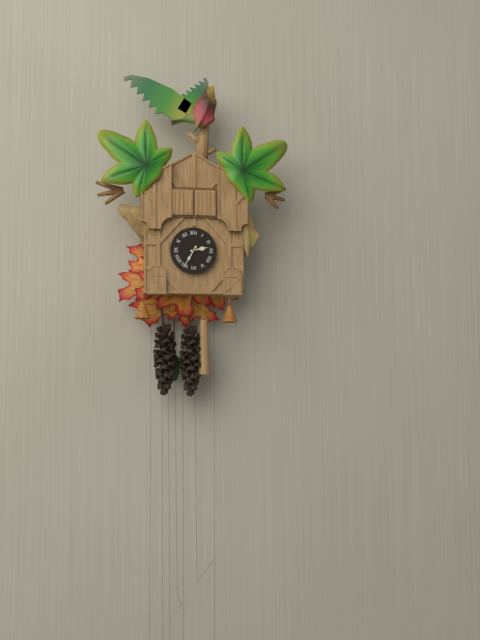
2:35
